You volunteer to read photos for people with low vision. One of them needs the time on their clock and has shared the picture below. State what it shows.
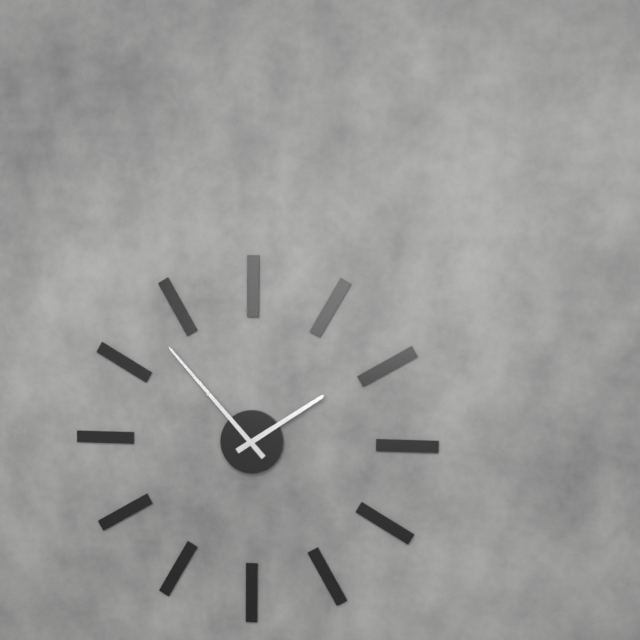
1:53
